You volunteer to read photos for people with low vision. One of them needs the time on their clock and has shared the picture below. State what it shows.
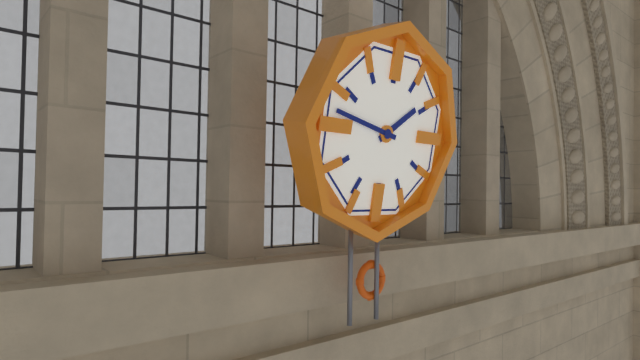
1:47
